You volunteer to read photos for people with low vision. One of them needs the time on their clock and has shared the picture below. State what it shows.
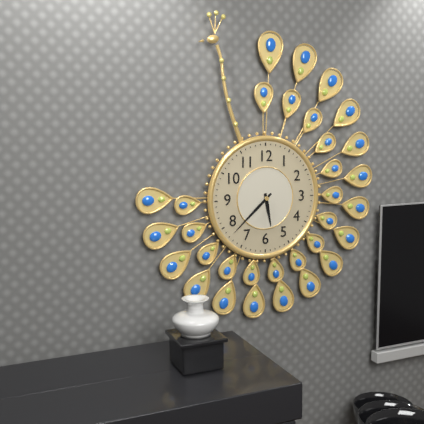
5:38
